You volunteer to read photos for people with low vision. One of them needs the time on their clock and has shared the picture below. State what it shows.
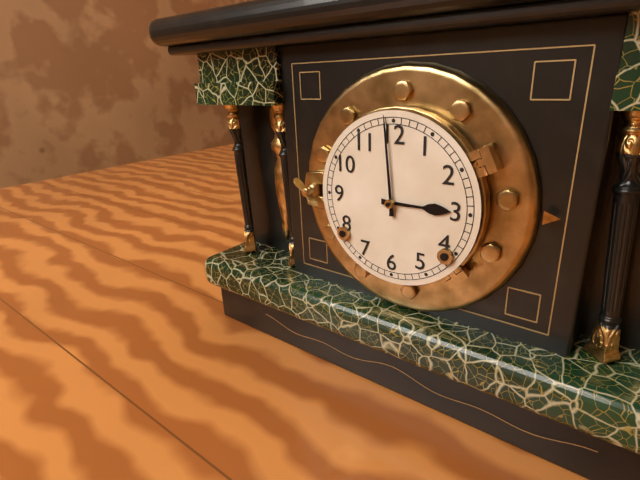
2:59
